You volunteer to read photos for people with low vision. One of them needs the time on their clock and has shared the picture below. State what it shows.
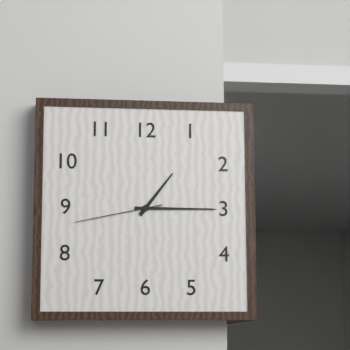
1:15:43
